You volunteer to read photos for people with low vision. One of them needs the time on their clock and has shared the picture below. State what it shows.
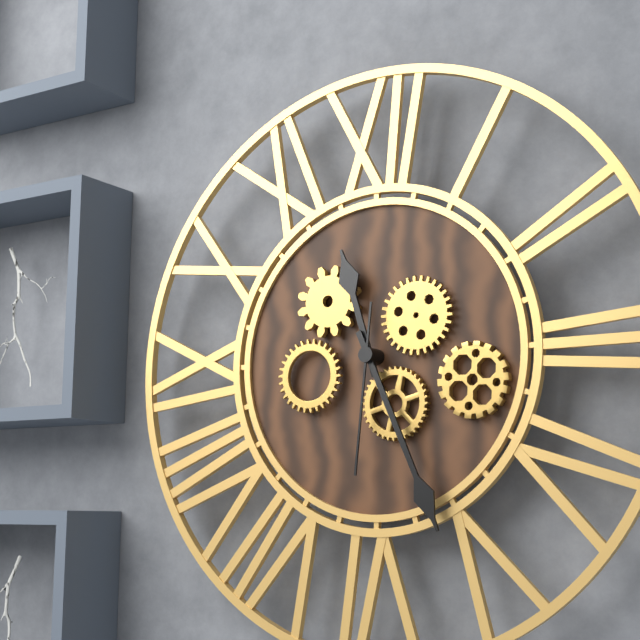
11:26:31
